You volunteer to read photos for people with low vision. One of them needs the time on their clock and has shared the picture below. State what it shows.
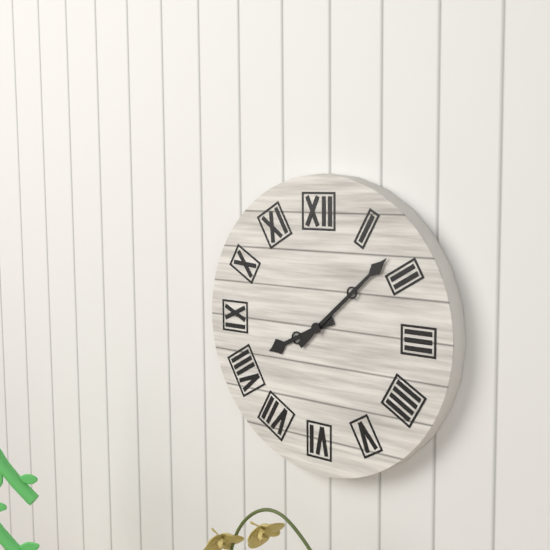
8:08
